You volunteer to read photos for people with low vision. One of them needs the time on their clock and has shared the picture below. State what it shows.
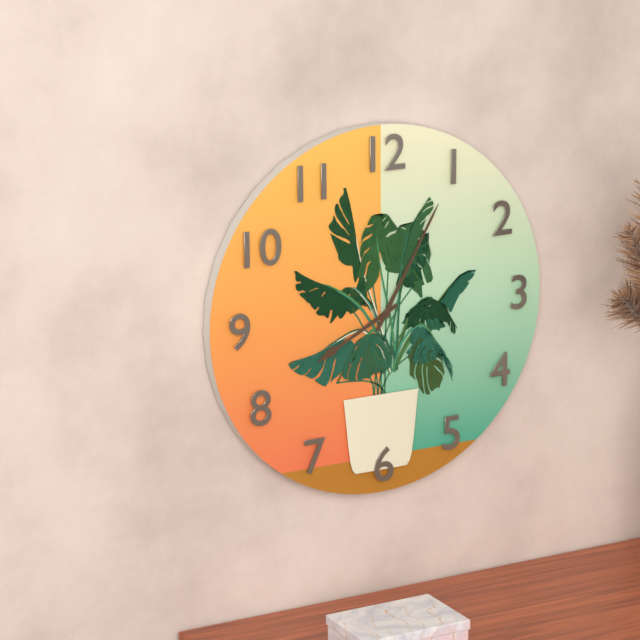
8:05
